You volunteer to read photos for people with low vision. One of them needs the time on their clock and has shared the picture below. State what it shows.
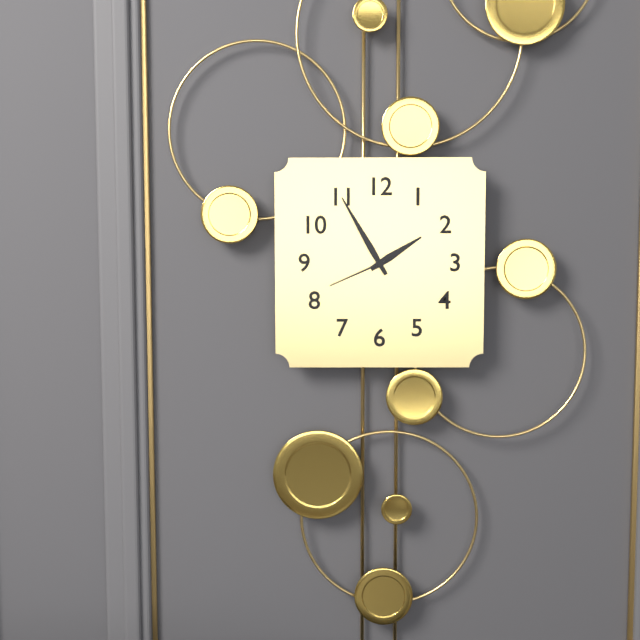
1:55:41
